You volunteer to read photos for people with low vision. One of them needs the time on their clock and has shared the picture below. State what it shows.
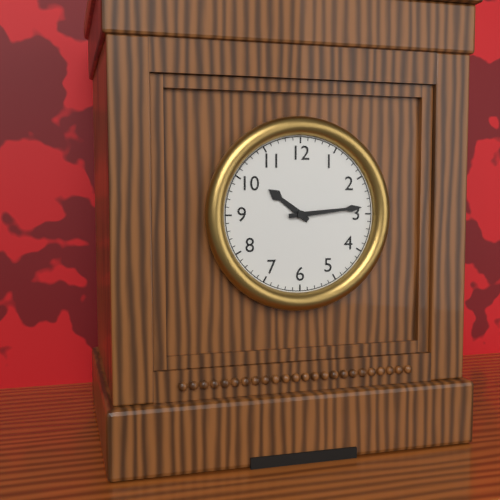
10:14
